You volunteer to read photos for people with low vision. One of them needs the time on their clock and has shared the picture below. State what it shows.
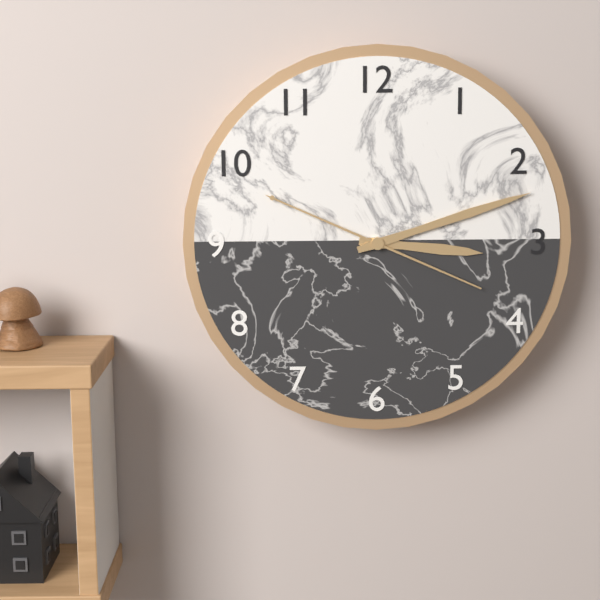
3:12:49
